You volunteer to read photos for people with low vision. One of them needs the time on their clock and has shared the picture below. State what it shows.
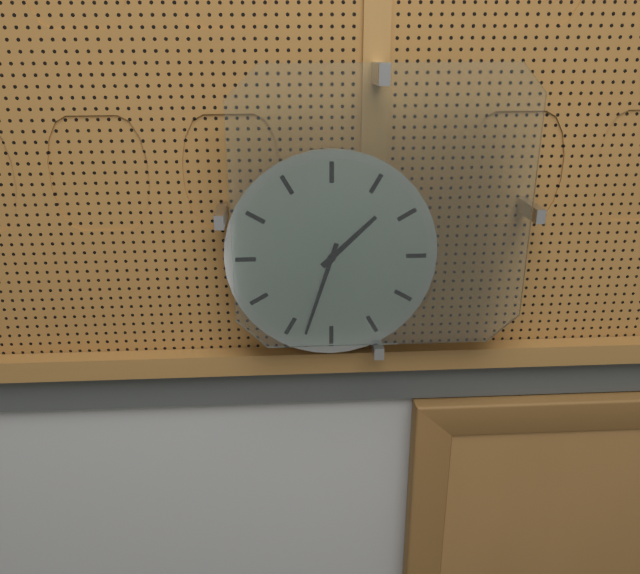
1:33
